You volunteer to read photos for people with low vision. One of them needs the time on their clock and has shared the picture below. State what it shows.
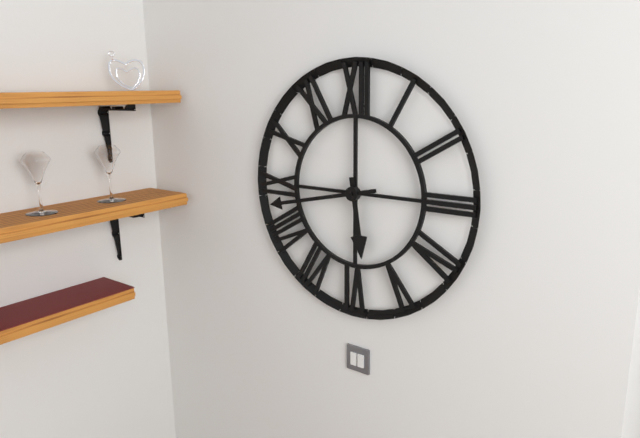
5:43
